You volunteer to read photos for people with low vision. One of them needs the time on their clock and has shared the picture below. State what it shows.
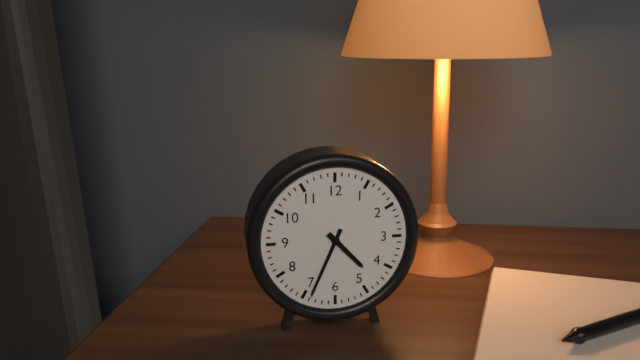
4:34
